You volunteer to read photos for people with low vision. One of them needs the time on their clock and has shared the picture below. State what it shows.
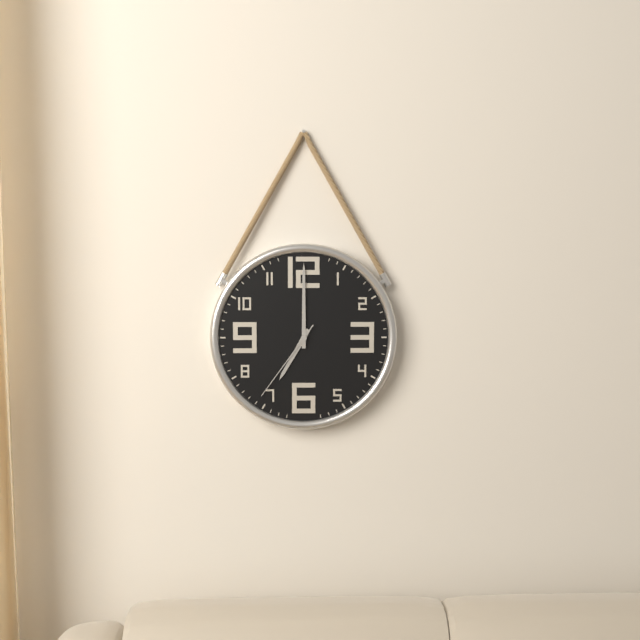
7:00:36
